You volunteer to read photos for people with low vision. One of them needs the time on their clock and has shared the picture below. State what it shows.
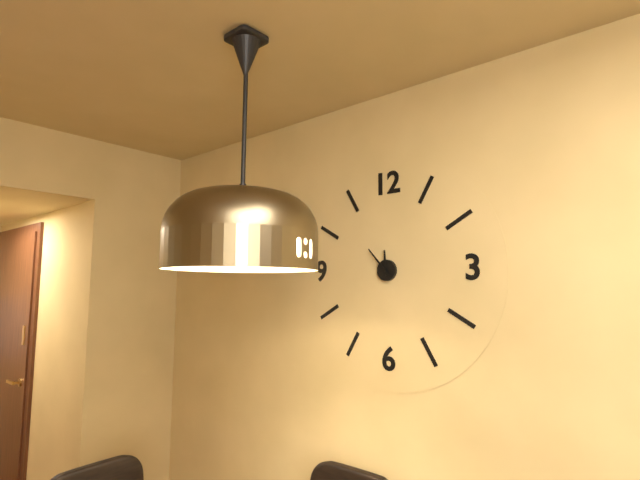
11:53
